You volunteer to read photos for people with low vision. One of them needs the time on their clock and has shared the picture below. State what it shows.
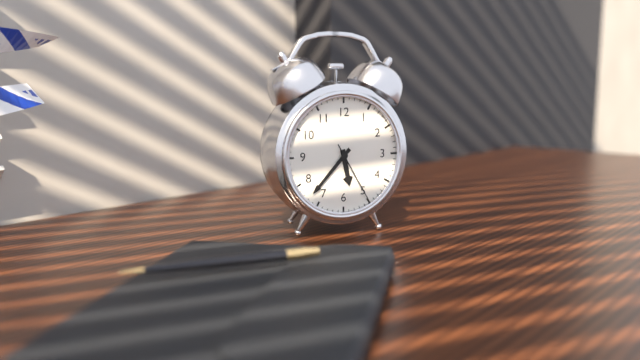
5:37:25
